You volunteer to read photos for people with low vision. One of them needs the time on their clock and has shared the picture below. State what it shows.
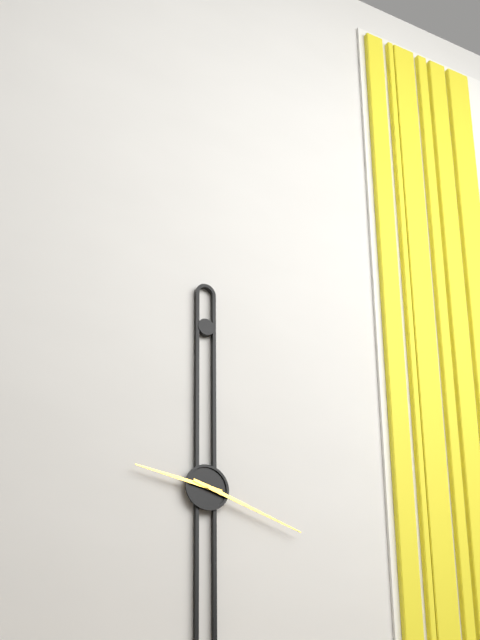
9:18
